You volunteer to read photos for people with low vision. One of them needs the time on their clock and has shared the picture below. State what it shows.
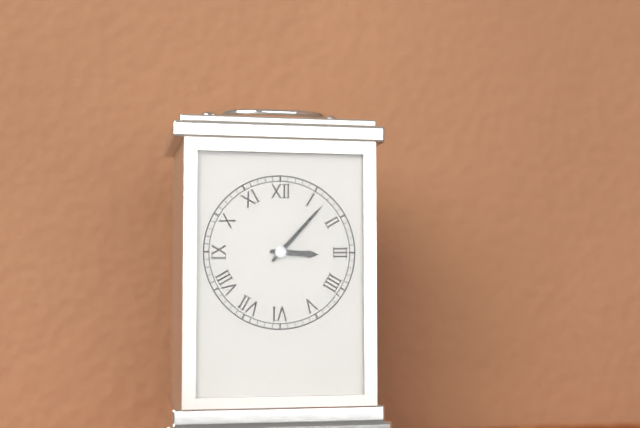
3:07
